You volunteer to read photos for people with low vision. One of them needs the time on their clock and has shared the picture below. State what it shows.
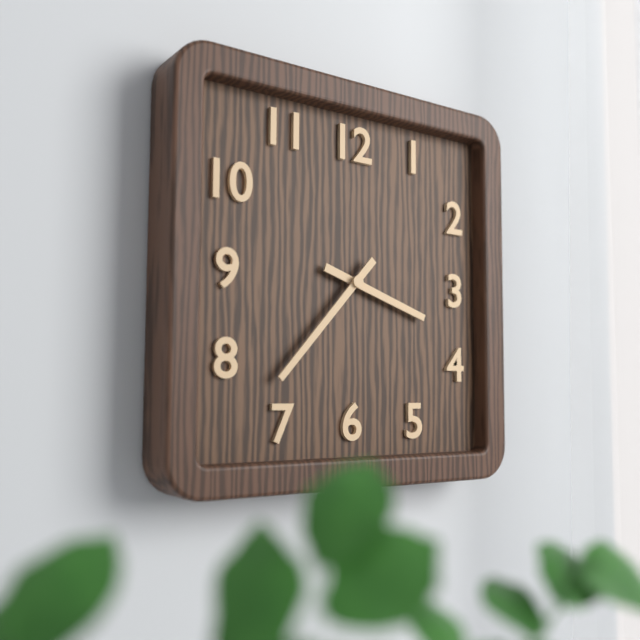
3:37
